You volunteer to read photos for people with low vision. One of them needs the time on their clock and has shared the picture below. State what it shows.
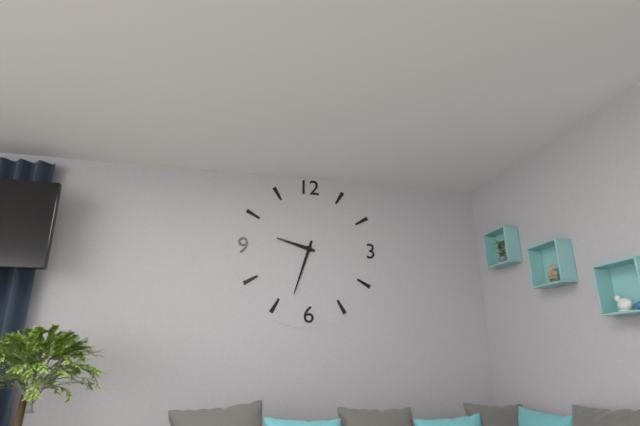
9:33
